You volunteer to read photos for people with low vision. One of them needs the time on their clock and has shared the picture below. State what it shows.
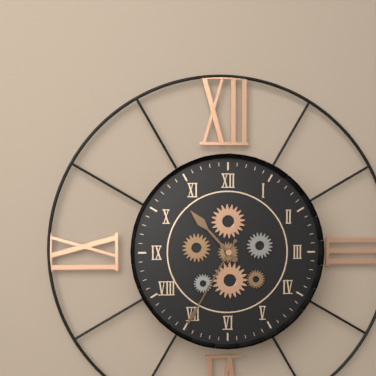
10:35
